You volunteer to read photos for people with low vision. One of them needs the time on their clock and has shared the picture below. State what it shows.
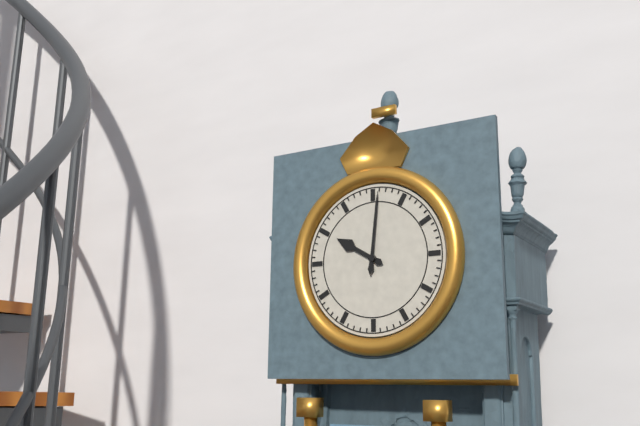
10:01
